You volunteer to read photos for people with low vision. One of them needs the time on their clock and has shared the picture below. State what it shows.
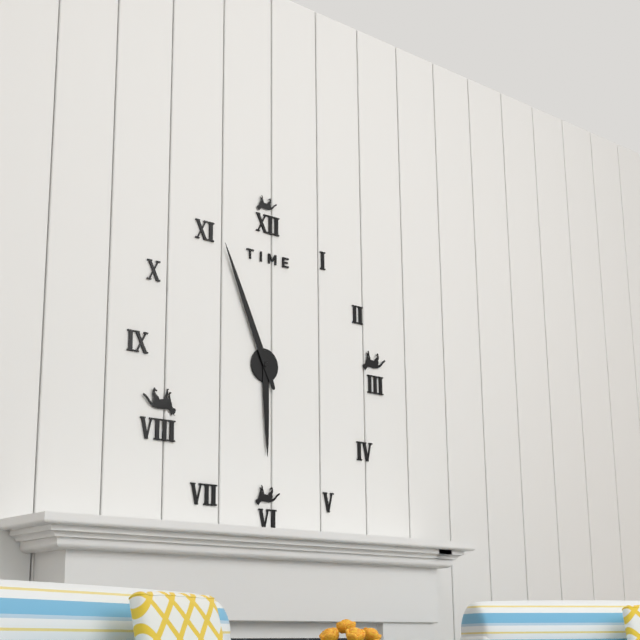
5:56
